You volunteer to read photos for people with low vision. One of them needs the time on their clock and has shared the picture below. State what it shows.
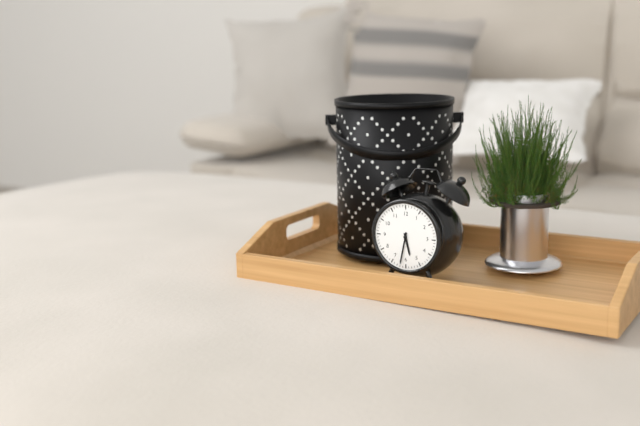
5:32
